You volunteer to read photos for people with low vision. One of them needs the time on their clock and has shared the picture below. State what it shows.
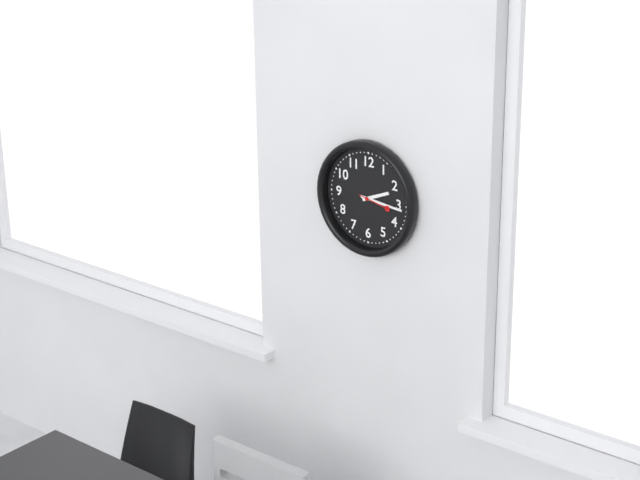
2:16
